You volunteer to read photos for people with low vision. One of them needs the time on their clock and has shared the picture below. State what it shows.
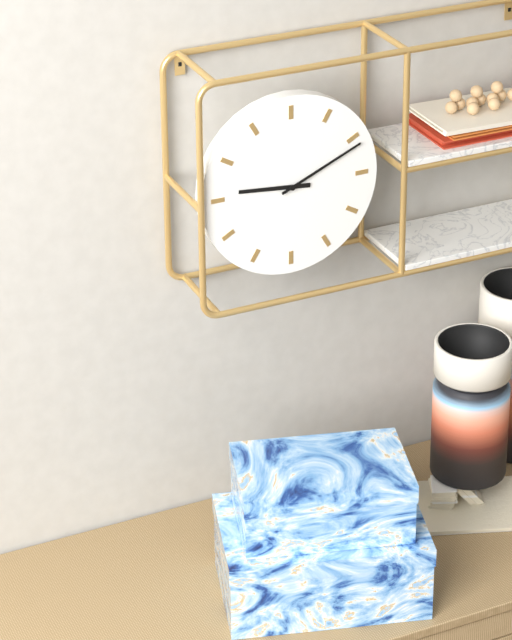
9:11
